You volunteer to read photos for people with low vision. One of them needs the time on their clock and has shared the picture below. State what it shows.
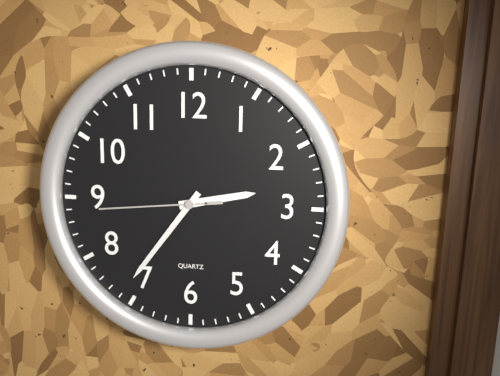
2:36:44
